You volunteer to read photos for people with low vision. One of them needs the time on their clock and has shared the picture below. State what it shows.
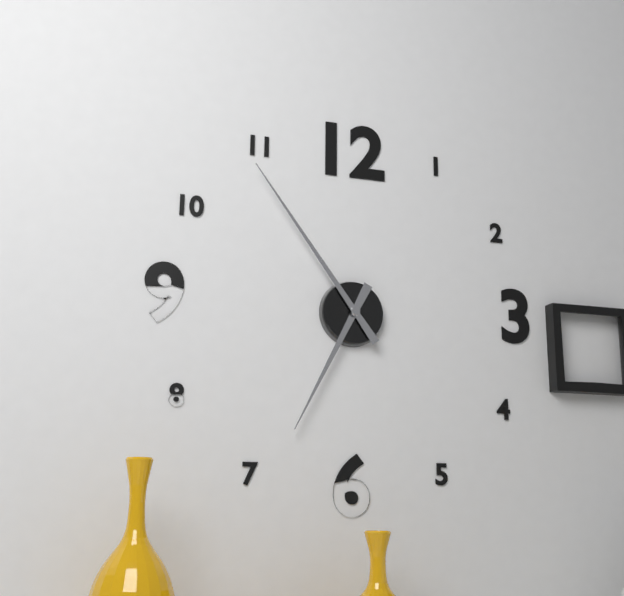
6:54
